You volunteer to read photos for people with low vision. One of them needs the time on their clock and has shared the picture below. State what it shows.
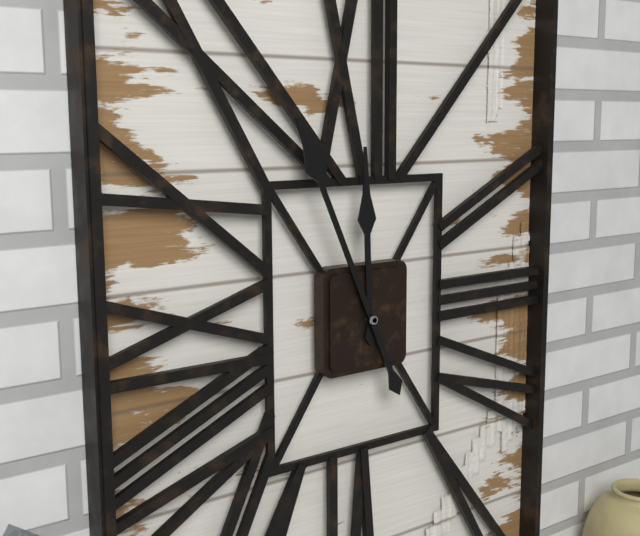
11:56
